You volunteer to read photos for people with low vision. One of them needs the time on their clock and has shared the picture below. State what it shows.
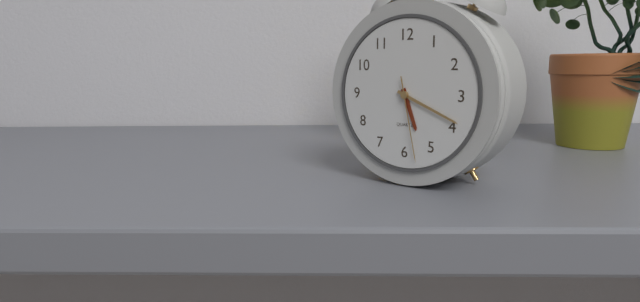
5:19:28
